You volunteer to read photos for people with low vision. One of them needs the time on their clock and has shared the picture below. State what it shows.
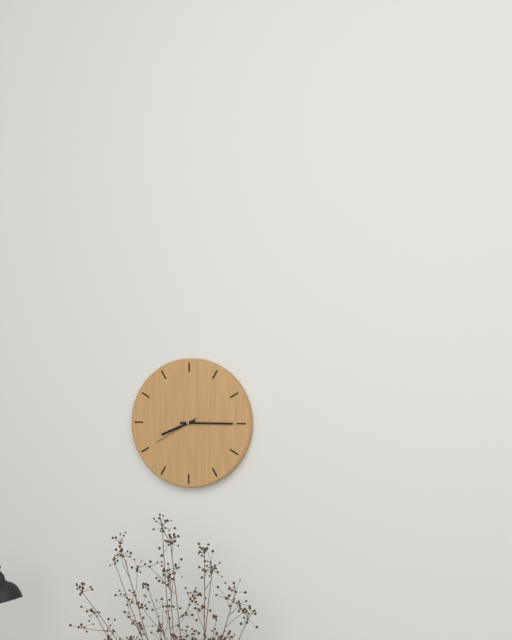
8:15:40
